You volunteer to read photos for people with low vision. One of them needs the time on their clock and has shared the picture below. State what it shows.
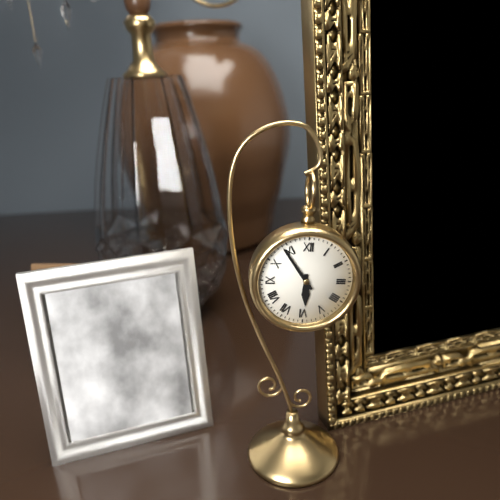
5:54
